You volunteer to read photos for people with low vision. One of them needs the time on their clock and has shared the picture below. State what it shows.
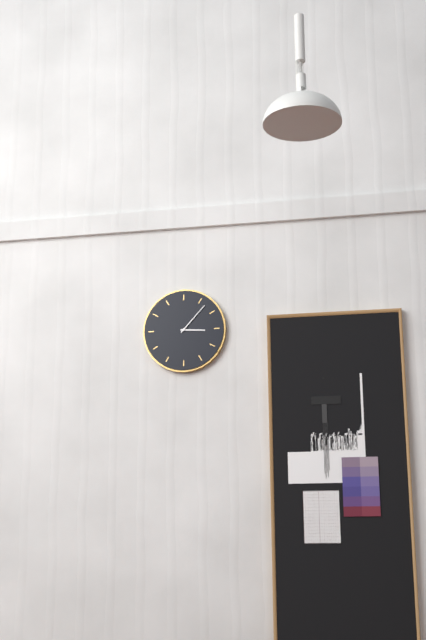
3:07
